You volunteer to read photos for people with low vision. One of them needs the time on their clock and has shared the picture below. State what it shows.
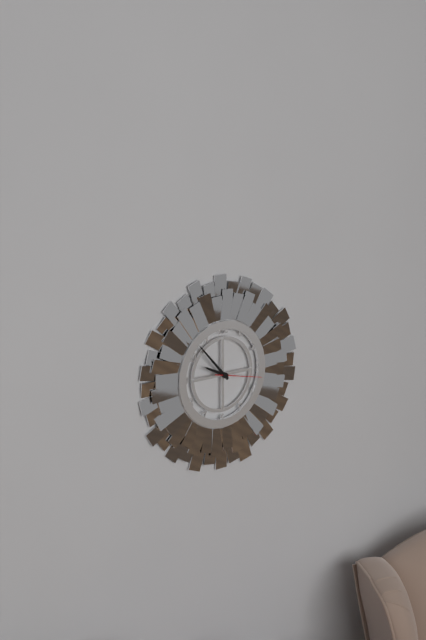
9:53:17
